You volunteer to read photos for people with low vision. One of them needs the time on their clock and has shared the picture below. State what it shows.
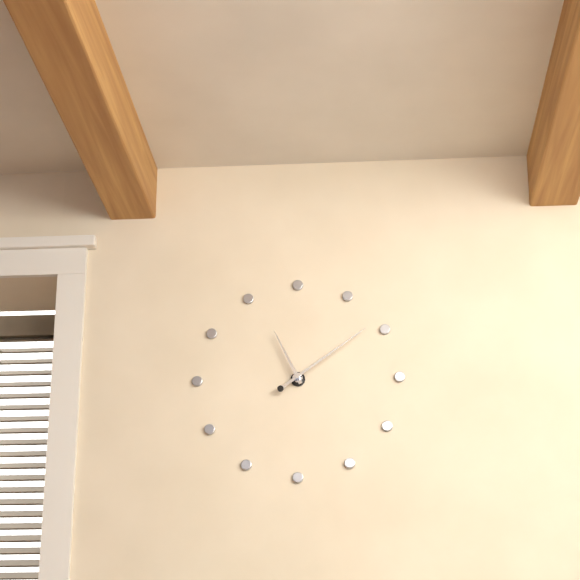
11:09
